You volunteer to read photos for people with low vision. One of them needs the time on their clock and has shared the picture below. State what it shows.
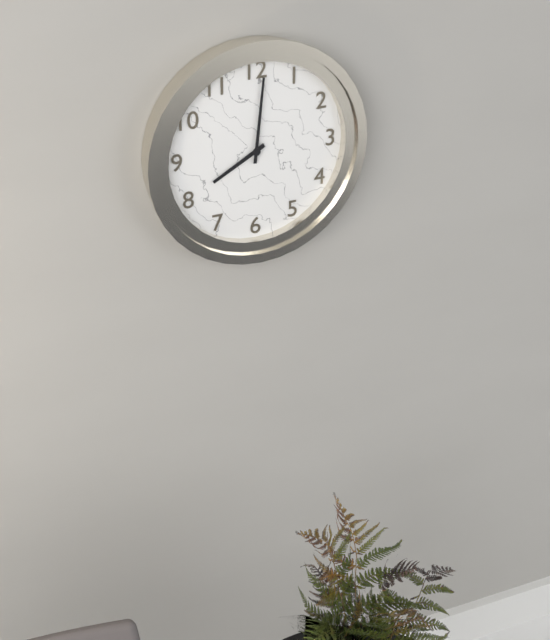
8:01
